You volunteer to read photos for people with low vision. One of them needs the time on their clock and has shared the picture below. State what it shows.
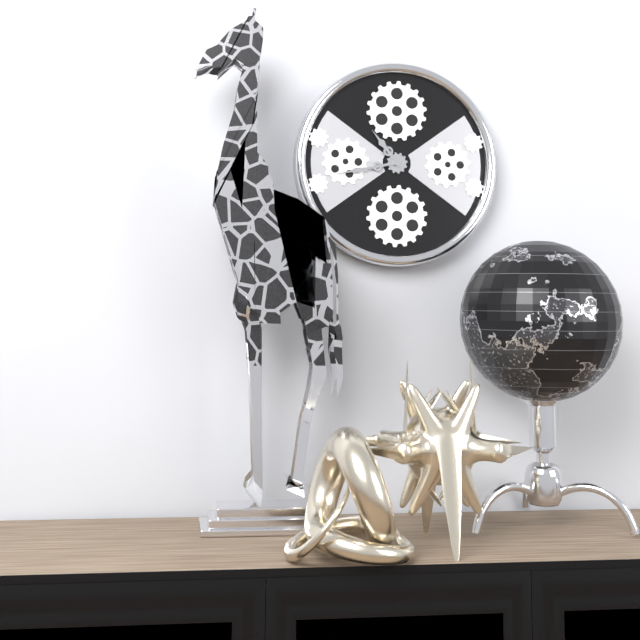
10:43
